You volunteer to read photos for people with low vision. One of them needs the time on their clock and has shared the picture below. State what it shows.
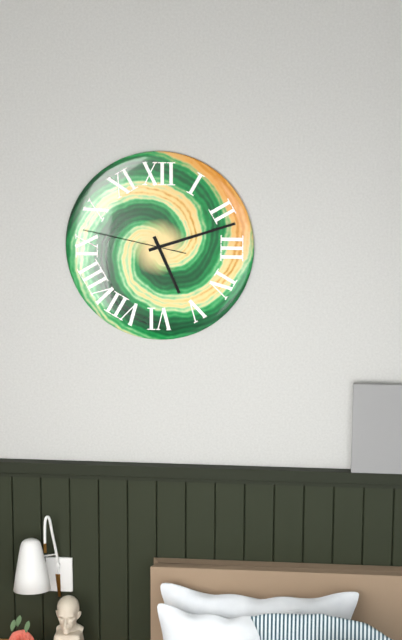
5:12:47
